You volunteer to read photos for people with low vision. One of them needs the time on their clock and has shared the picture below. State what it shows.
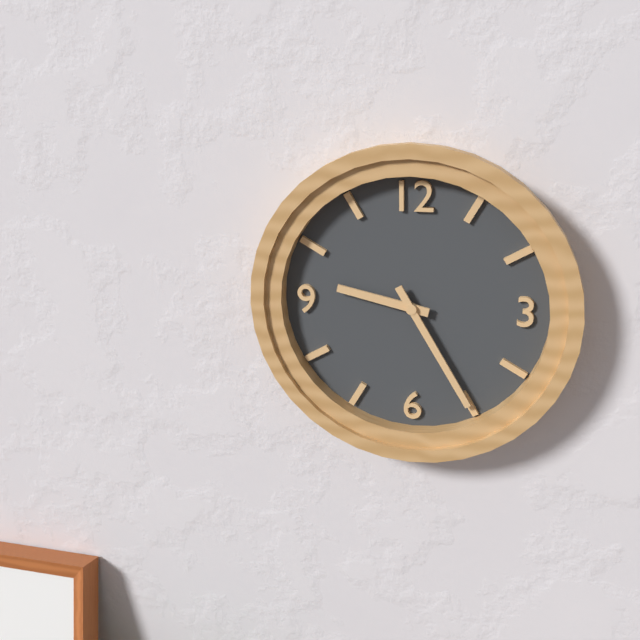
9:25
